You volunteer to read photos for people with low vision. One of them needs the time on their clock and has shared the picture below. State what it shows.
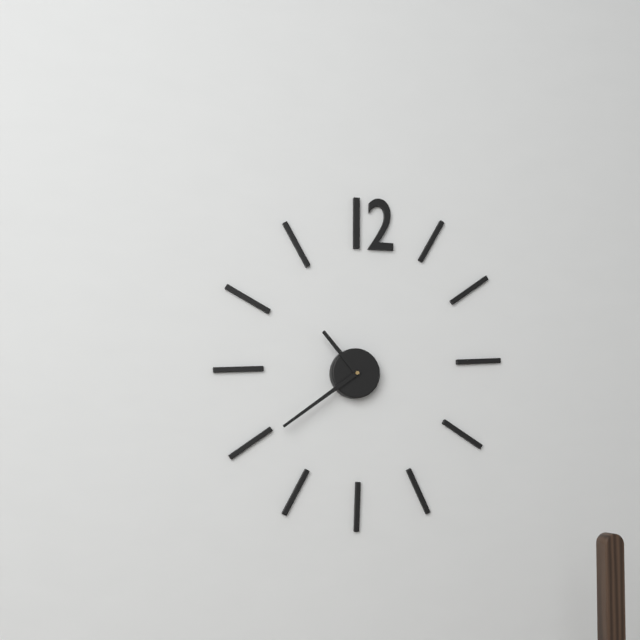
10:39
